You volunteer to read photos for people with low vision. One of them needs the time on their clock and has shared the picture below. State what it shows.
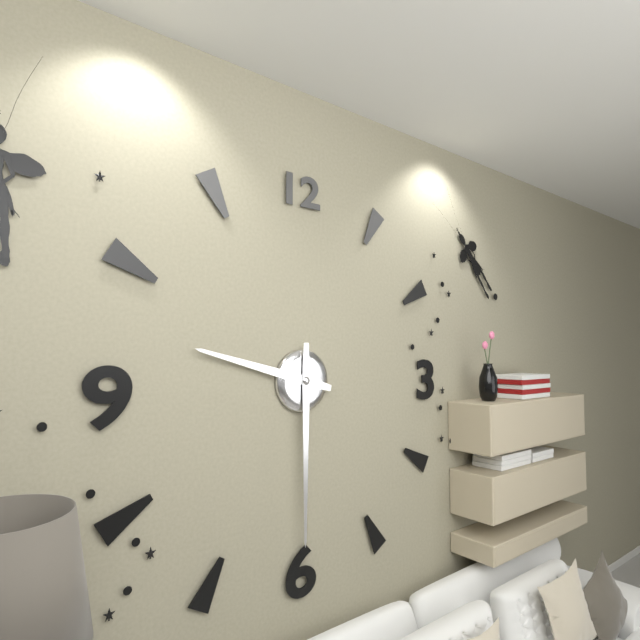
9:30
